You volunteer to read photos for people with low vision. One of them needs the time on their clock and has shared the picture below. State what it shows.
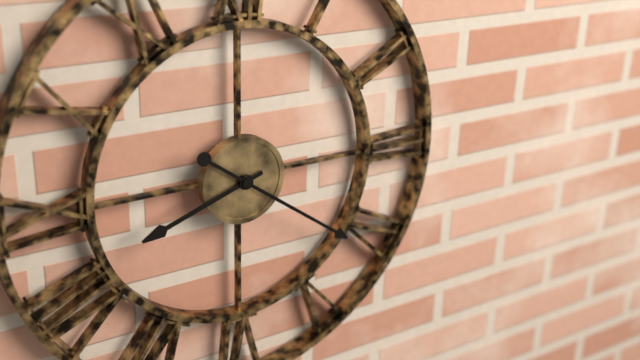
8:21
